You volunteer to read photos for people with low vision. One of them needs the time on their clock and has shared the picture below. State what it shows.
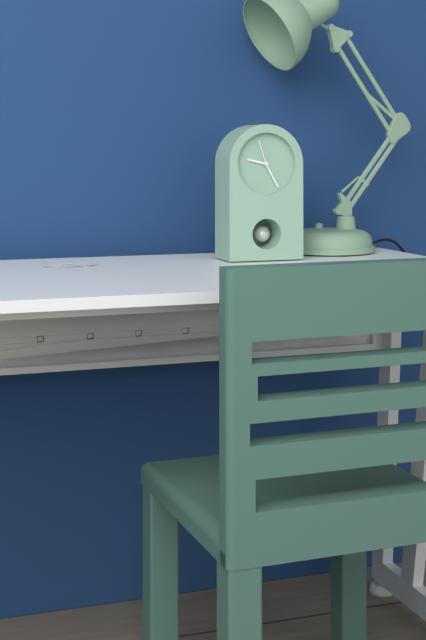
9:25
